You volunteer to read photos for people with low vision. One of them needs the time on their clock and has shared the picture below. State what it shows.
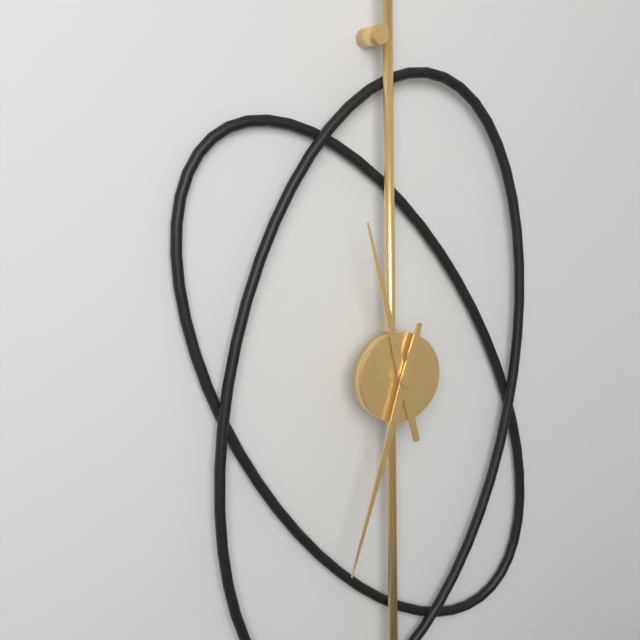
11:33
